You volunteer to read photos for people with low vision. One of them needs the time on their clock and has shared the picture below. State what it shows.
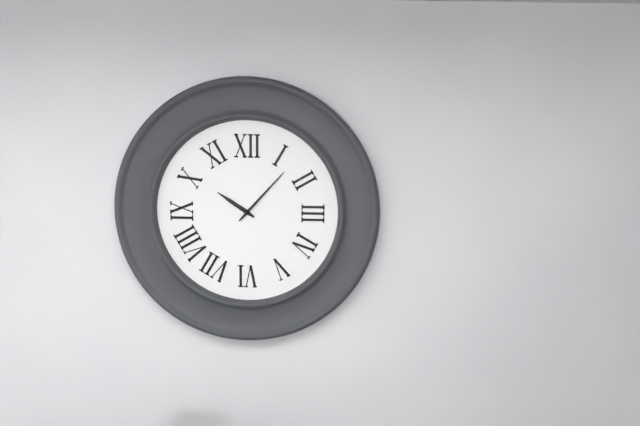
10:07
